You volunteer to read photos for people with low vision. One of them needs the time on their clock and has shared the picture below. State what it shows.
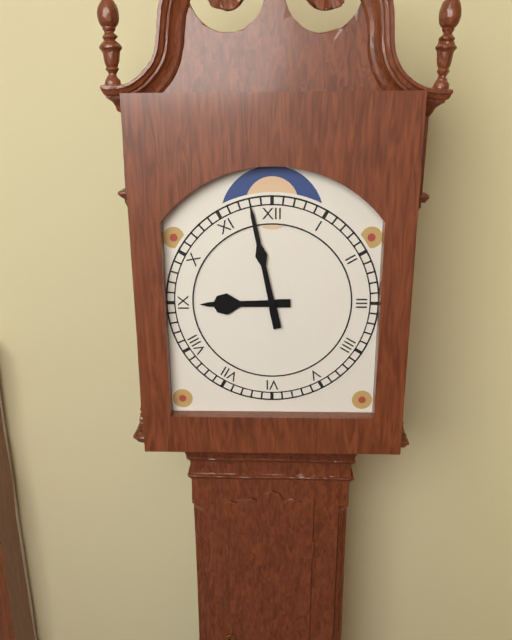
8:58
